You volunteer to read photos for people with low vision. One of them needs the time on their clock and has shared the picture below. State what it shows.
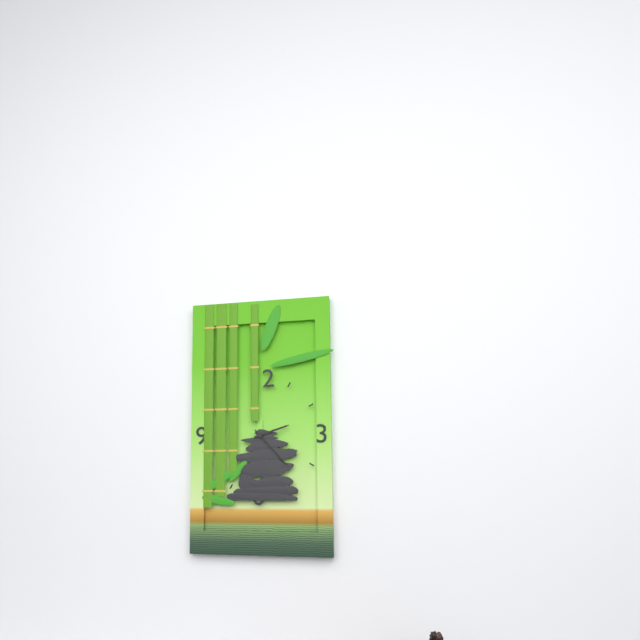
2:23
